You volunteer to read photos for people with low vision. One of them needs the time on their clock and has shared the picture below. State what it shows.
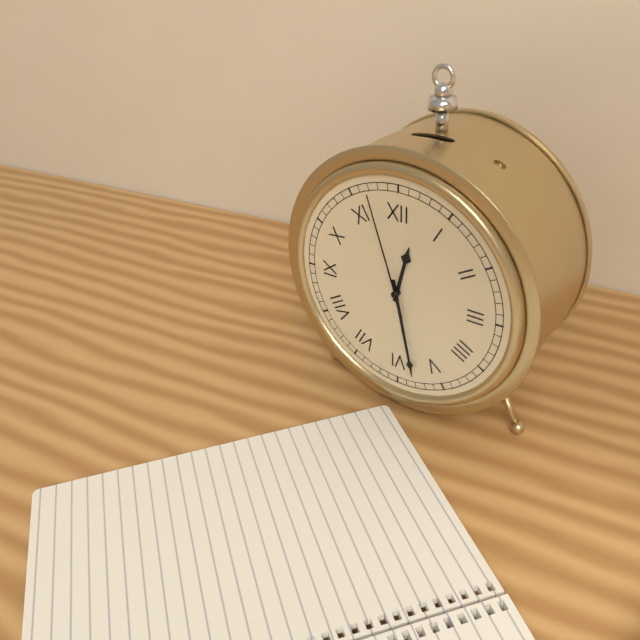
12:28:57
